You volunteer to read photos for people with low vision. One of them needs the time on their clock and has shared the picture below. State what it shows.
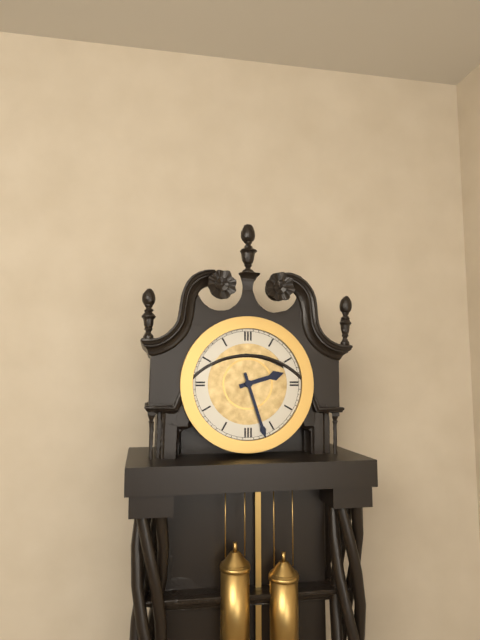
2:27
